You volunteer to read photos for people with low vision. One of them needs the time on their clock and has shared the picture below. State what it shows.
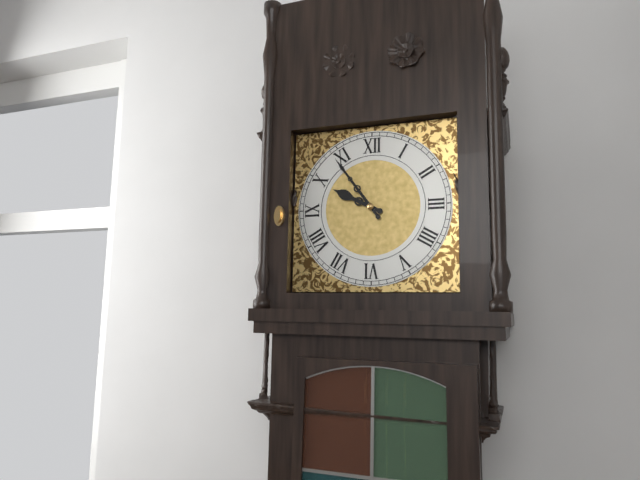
9:54
